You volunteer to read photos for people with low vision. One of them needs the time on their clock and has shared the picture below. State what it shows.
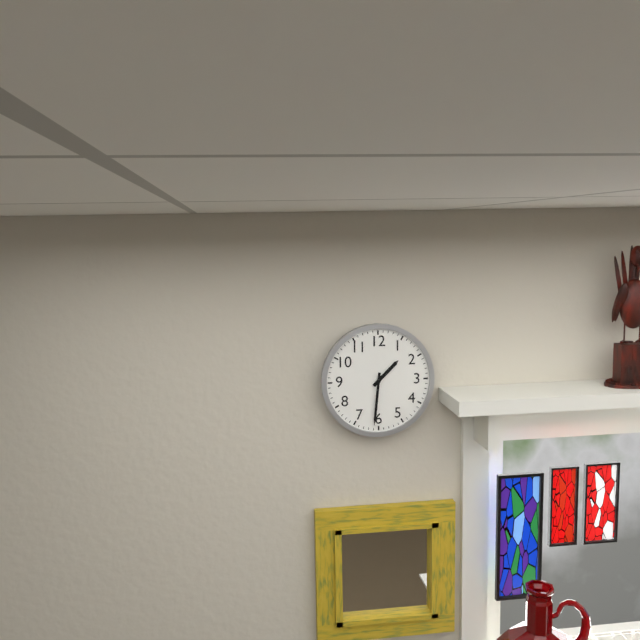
1:31
